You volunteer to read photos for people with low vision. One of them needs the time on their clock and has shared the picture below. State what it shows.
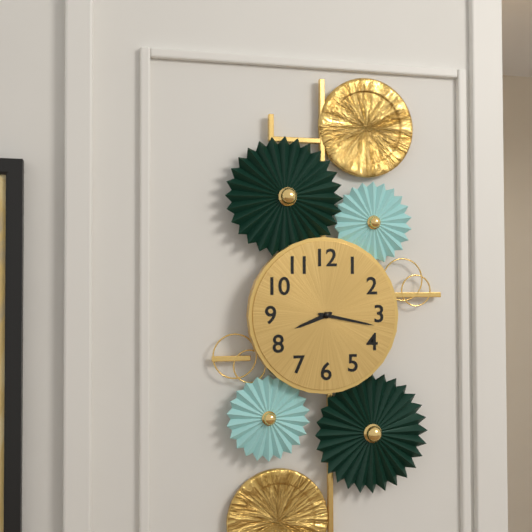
8:17
